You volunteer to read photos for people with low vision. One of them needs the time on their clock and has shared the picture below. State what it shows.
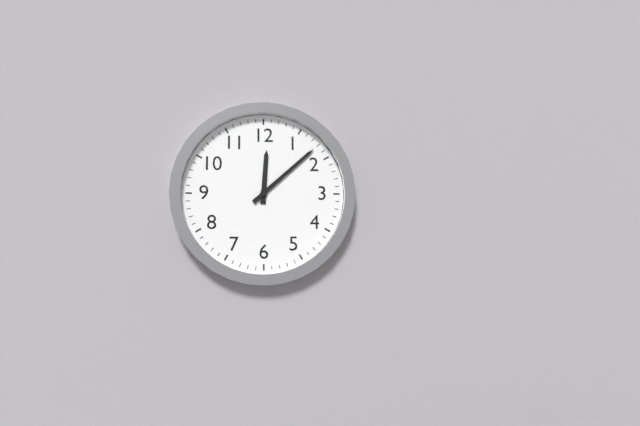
12:08
